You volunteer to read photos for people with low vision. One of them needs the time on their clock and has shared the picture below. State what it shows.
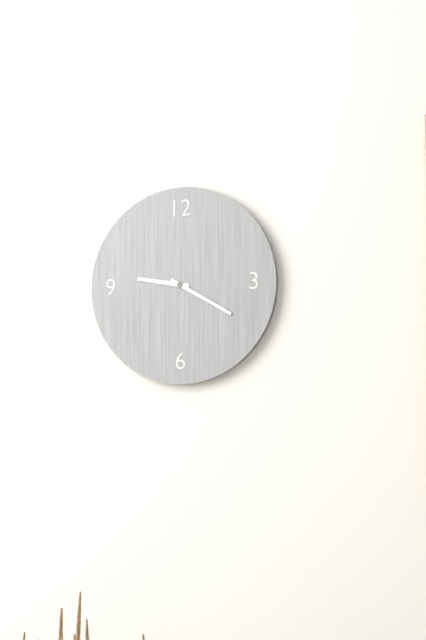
9:20
